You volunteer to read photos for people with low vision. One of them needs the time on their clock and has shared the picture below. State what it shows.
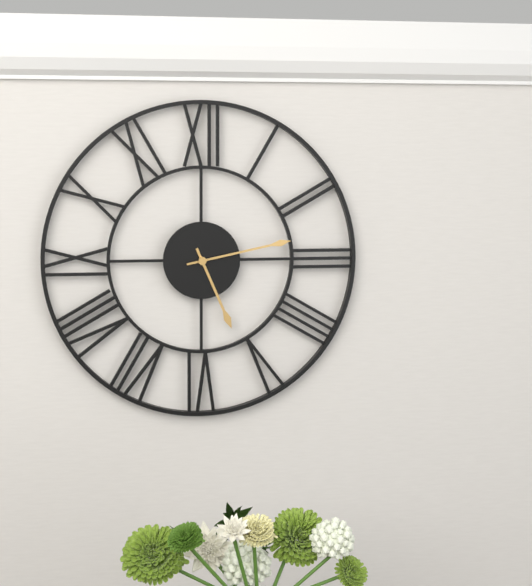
5:13
